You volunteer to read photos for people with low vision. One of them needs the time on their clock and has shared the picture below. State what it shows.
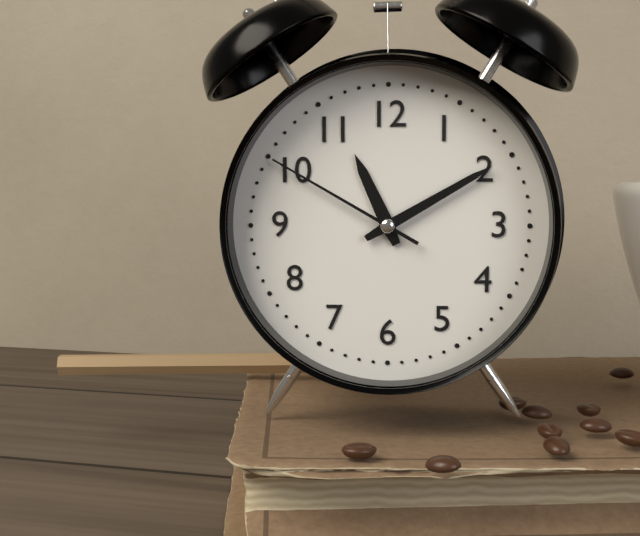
11:10:50
